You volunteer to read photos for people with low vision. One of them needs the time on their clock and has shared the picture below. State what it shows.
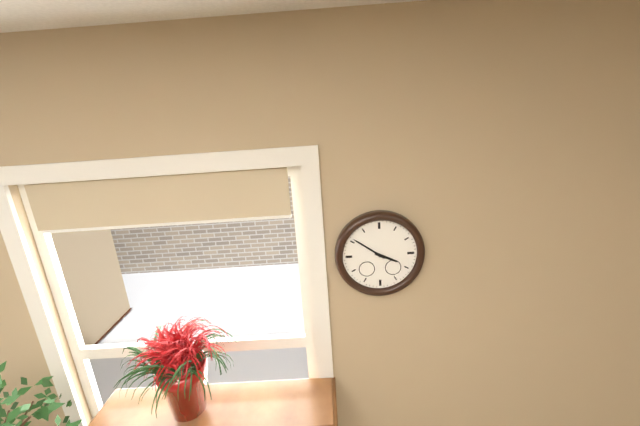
3:51
